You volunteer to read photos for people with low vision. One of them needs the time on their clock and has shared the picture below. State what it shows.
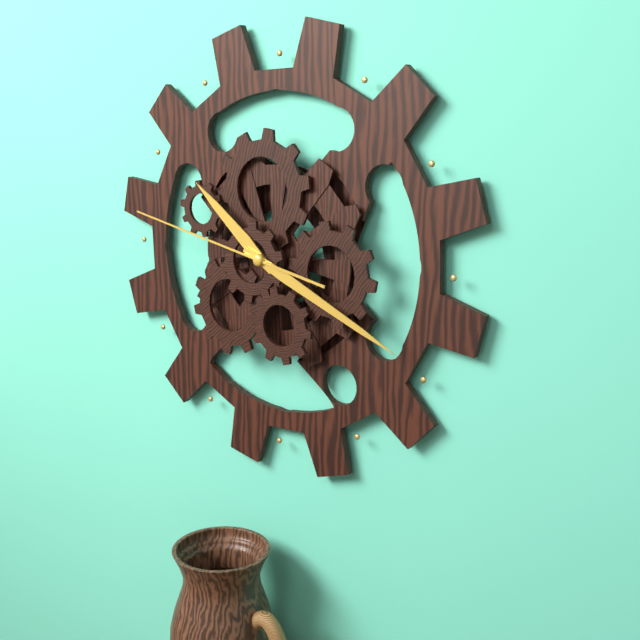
10:19:47
